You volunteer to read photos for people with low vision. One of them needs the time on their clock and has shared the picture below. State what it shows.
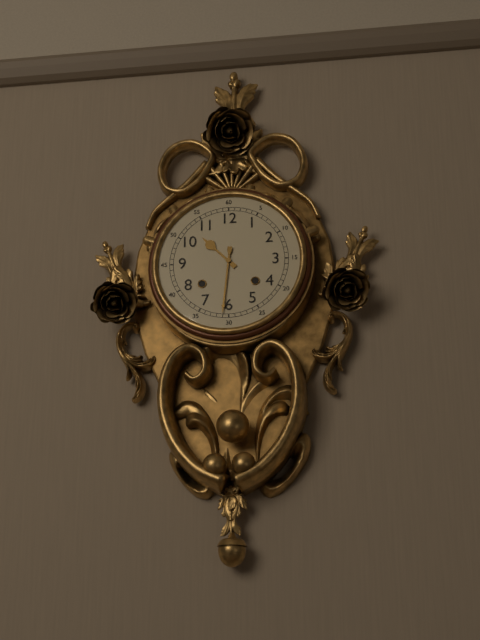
10:31
